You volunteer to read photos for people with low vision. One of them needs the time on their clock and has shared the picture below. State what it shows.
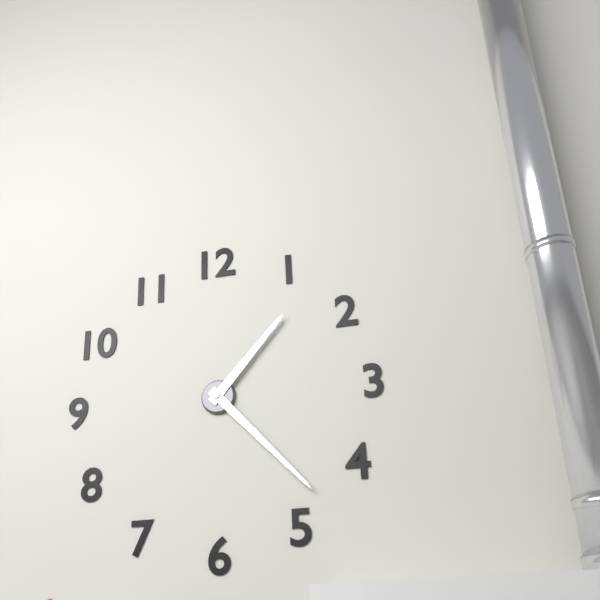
1:23
